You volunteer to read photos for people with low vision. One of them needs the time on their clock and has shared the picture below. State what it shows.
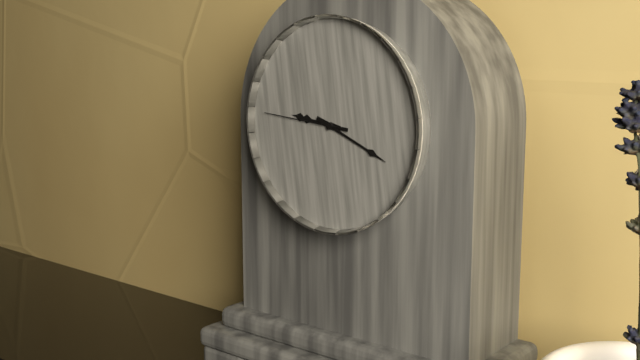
9:19:46
